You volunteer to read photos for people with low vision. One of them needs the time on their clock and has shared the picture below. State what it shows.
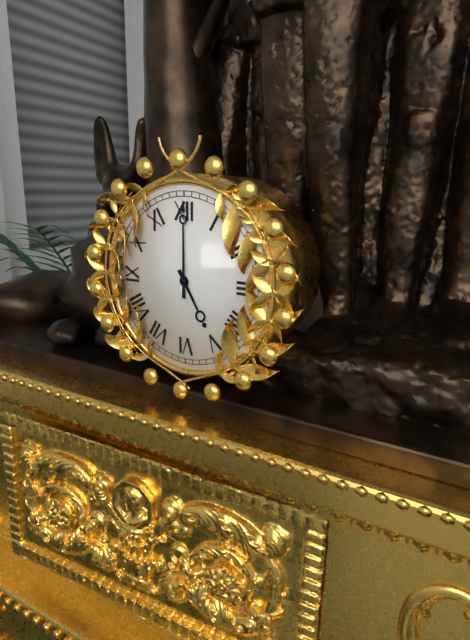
5:00
